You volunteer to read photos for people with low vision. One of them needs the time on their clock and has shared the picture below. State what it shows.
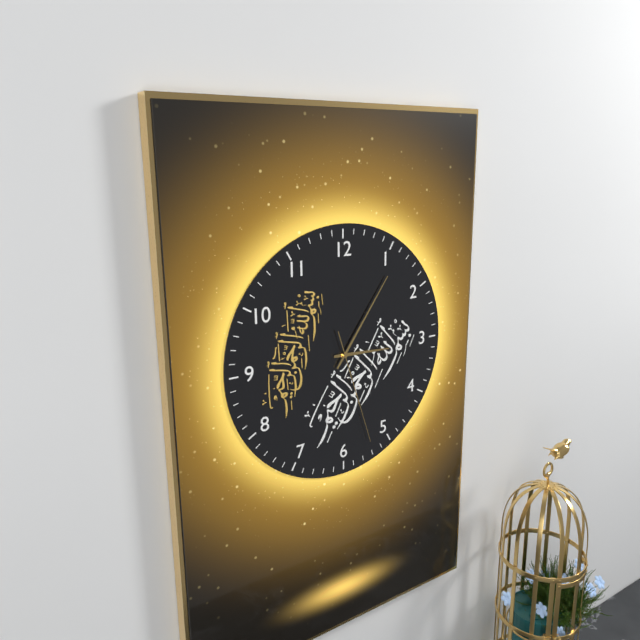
3:06:27
